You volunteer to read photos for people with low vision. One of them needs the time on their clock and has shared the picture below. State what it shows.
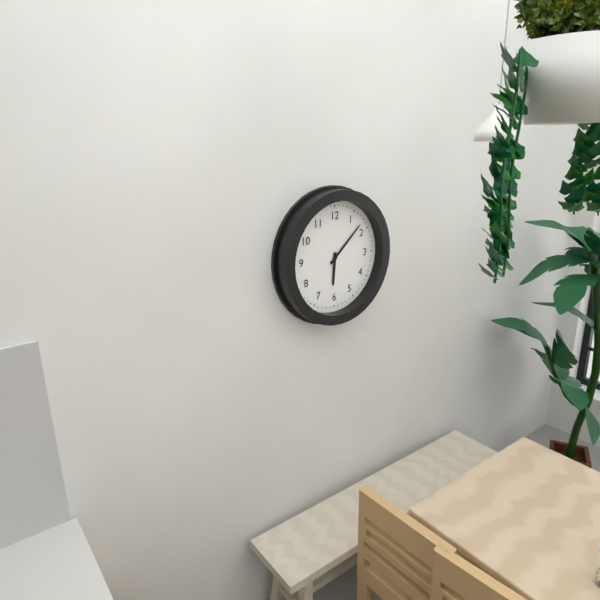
6:08
